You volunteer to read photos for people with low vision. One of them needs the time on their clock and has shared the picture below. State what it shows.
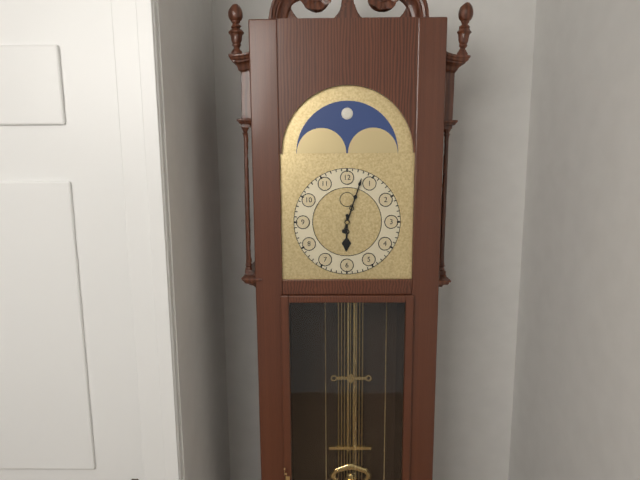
6:03
